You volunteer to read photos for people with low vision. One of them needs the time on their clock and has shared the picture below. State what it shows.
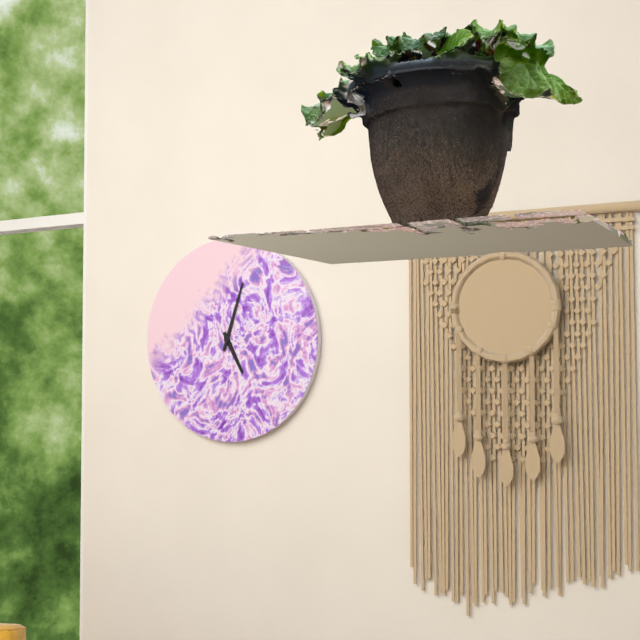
5:03
